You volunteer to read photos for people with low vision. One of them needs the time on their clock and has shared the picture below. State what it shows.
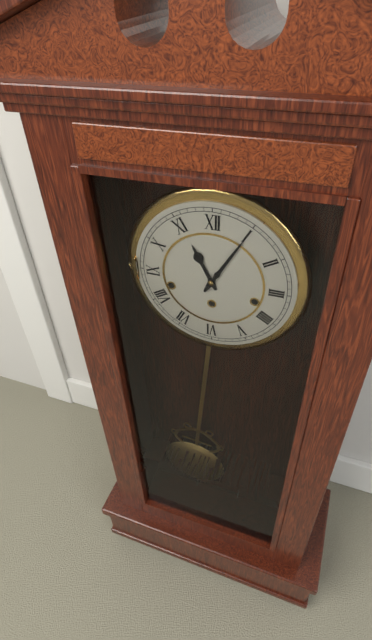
11:05
